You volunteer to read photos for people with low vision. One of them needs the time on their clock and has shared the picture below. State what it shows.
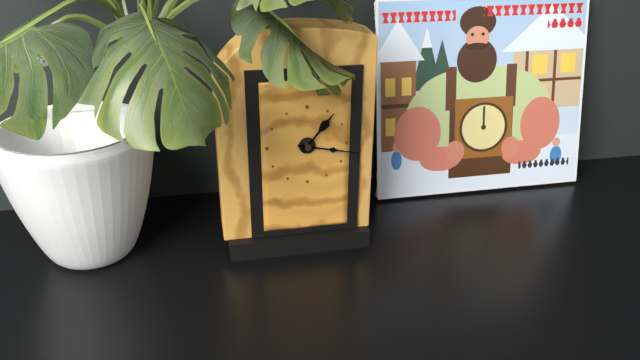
1:17
